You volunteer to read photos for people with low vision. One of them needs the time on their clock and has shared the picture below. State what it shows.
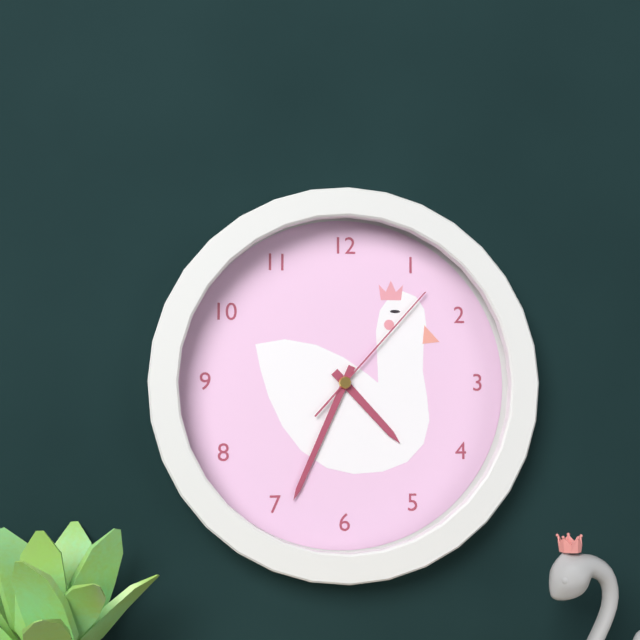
4:34:07
